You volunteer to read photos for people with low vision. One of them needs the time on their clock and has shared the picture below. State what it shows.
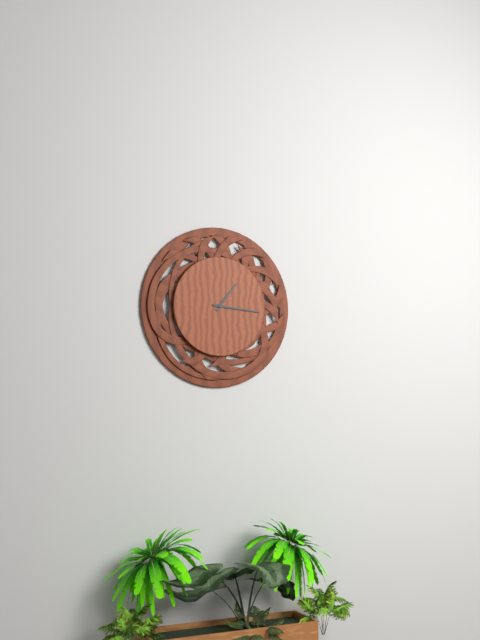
1:16
